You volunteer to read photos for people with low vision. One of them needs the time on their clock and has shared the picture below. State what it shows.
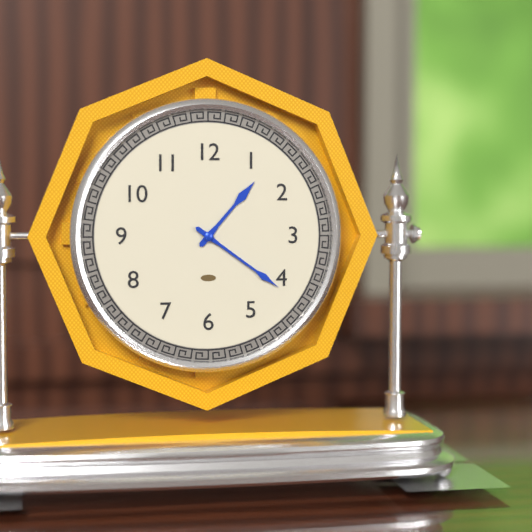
1:21
